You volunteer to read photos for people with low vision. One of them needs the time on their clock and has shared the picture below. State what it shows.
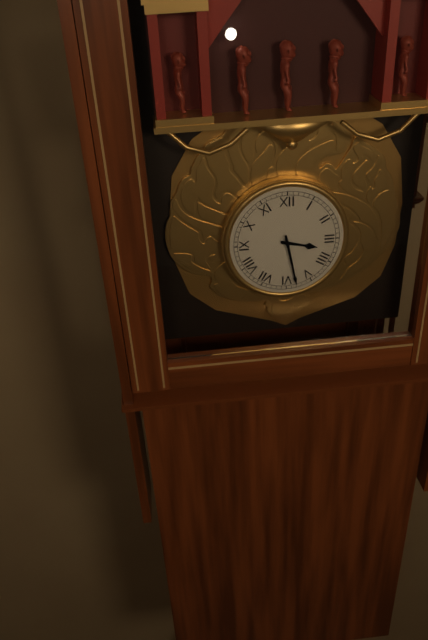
3:28
